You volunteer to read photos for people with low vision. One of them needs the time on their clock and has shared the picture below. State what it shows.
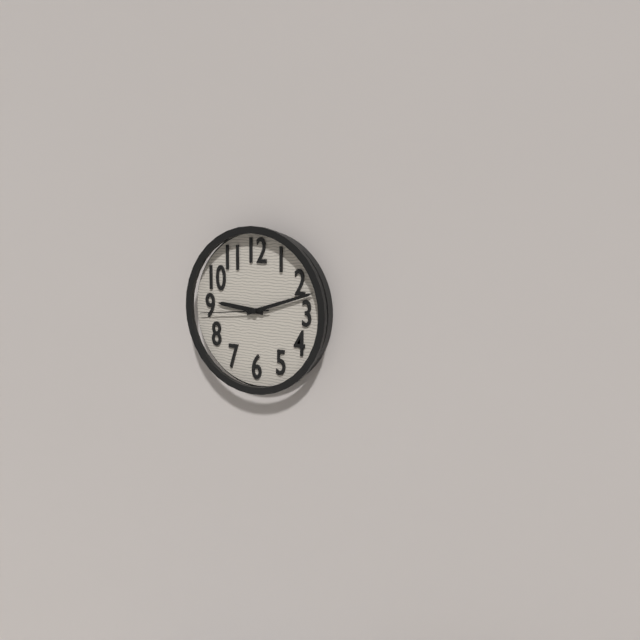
9:12:44
